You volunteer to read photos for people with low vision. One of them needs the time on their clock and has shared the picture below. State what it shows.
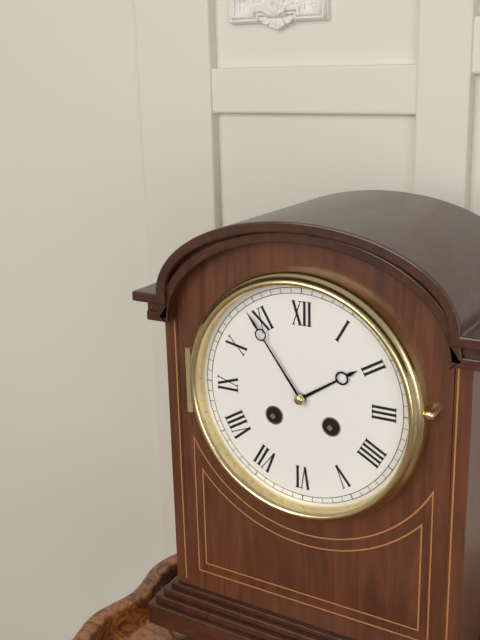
1:54
